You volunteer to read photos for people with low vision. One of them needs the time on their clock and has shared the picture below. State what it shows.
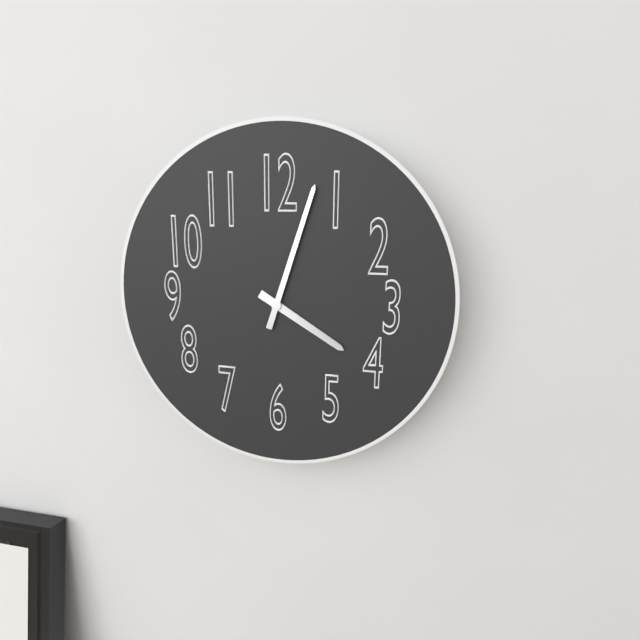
4:03
